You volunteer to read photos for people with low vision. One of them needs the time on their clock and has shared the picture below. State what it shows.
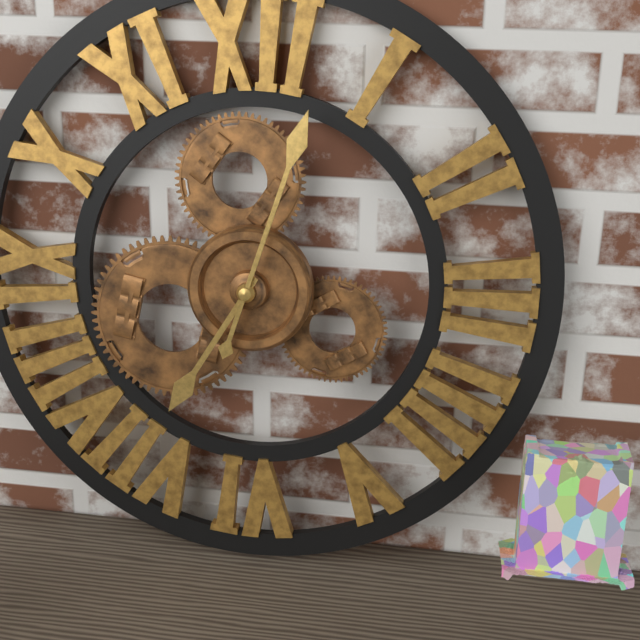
7:03
